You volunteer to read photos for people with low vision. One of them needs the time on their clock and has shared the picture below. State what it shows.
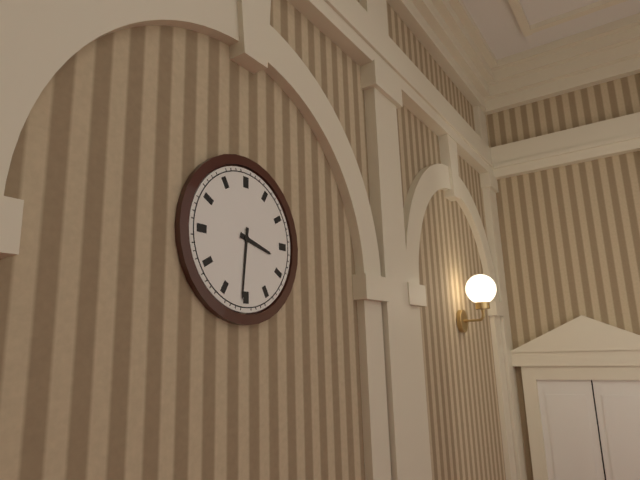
3:31
